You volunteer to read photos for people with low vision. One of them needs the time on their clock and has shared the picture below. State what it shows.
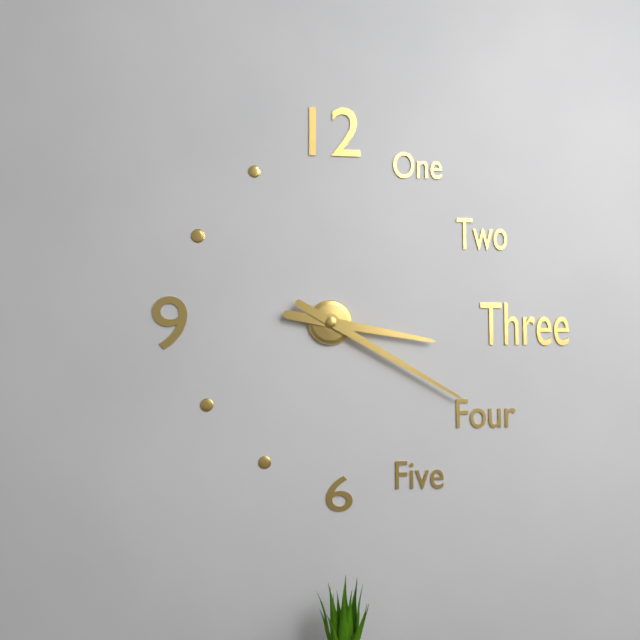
3:20
